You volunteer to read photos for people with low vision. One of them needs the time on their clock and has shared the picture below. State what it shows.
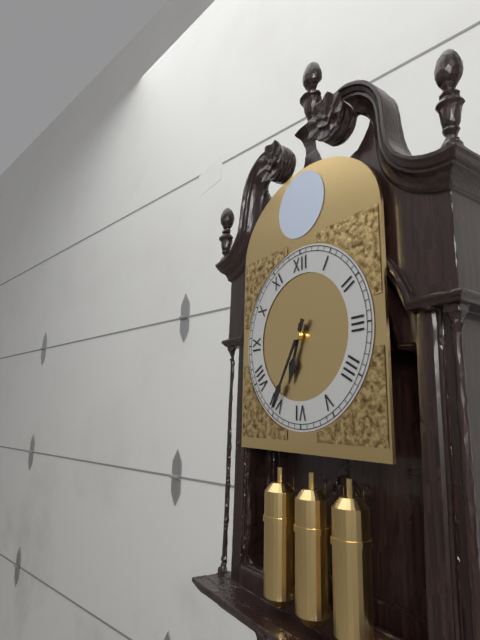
6:35
